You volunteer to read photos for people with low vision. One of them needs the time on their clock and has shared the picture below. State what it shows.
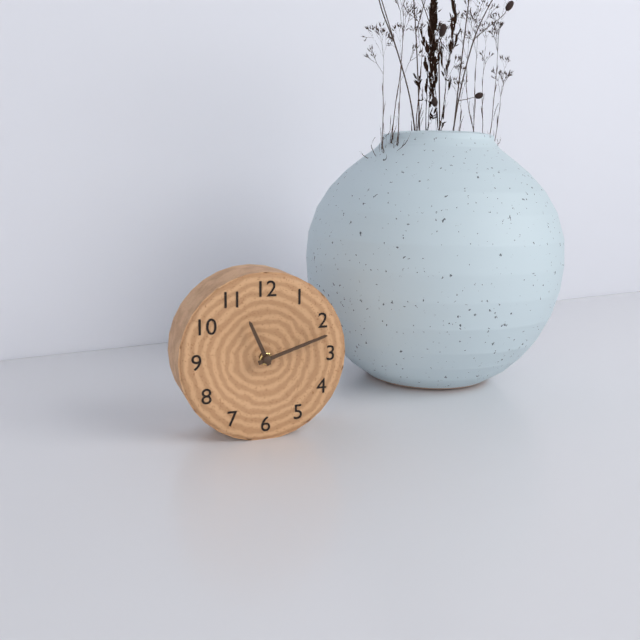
11:12
